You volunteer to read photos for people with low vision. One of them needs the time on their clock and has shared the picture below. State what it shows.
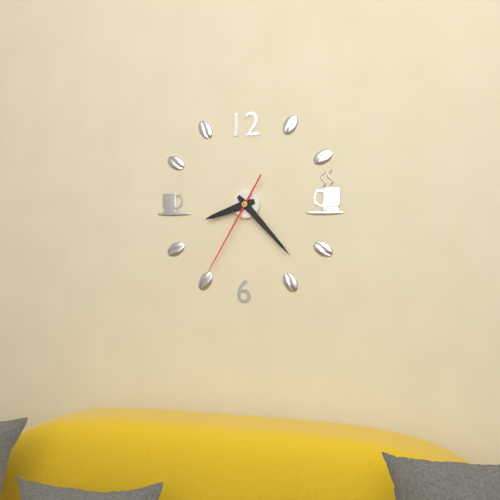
8:23:35
